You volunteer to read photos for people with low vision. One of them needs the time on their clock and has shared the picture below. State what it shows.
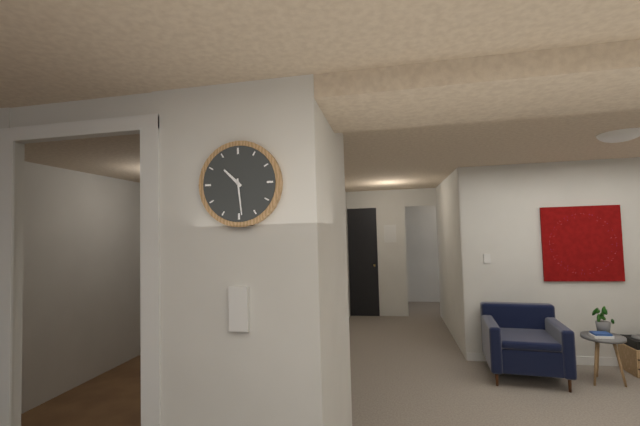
10:29
